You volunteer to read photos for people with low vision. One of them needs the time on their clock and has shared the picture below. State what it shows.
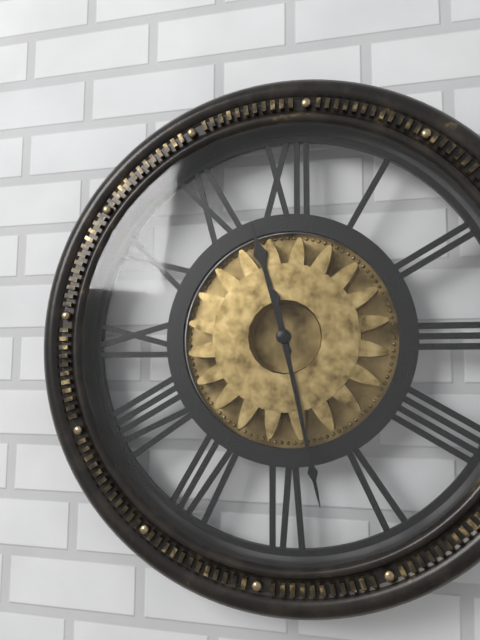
11:28
